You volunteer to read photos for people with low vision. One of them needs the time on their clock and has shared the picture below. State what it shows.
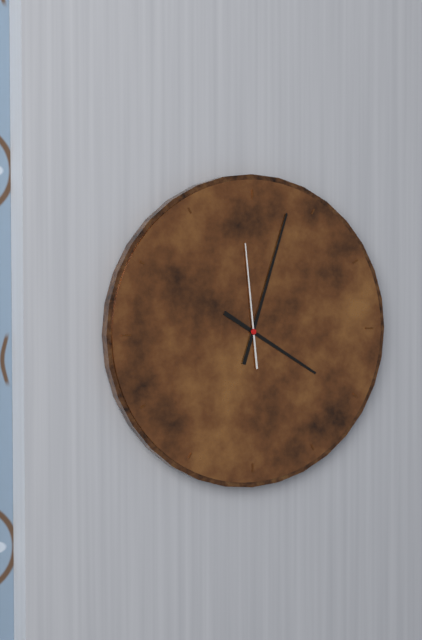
4:03:59
